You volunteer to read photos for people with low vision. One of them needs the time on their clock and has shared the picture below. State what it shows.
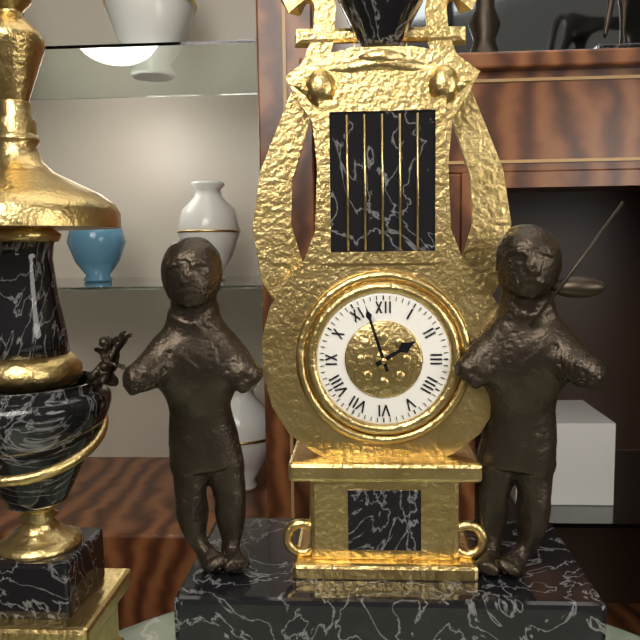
1:57
